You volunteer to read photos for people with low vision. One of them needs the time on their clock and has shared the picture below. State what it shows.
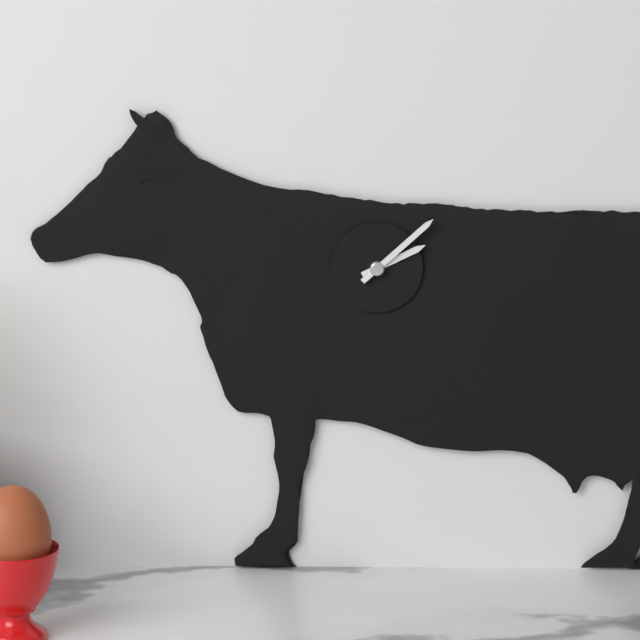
2:08
